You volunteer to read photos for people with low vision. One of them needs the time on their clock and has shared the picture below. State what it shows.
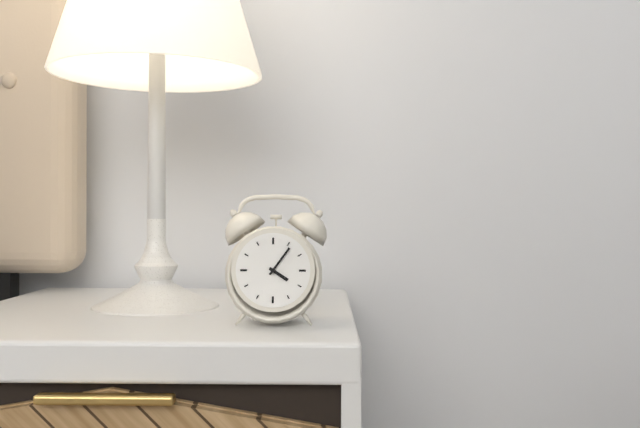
4:06
